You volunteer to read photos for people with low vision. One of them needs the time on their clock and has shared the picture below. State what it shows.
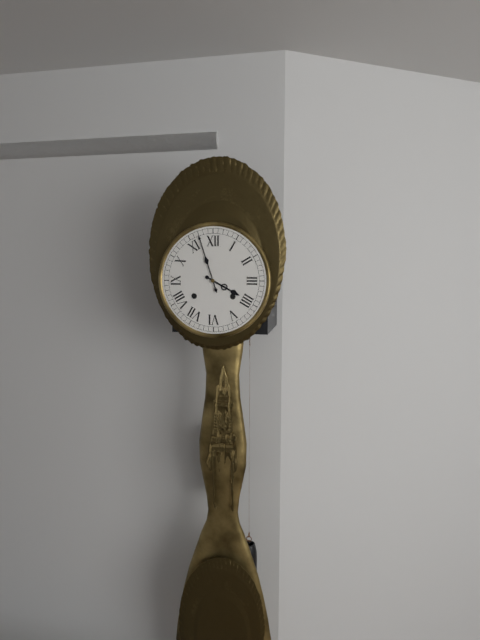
3:57
